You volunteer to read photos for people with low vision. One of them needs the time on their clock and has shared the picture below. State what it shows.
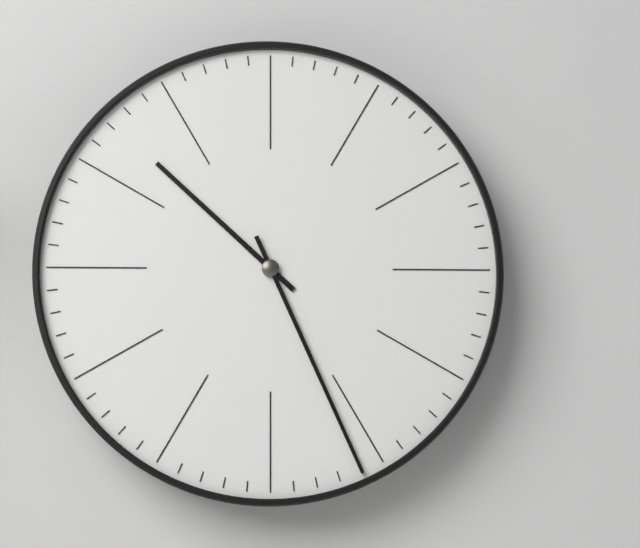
10:26
